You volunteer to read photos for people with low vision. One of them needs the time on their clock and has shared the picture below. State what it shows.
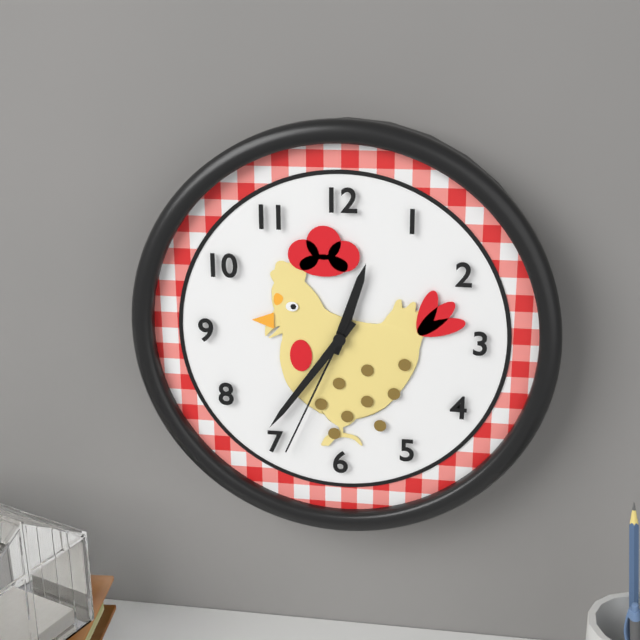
12:36:34
